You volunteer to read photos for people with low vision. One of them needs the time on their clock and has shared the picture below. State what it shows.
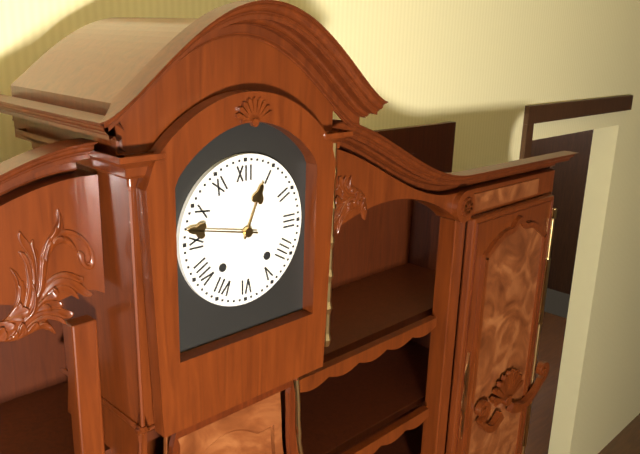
12:47
